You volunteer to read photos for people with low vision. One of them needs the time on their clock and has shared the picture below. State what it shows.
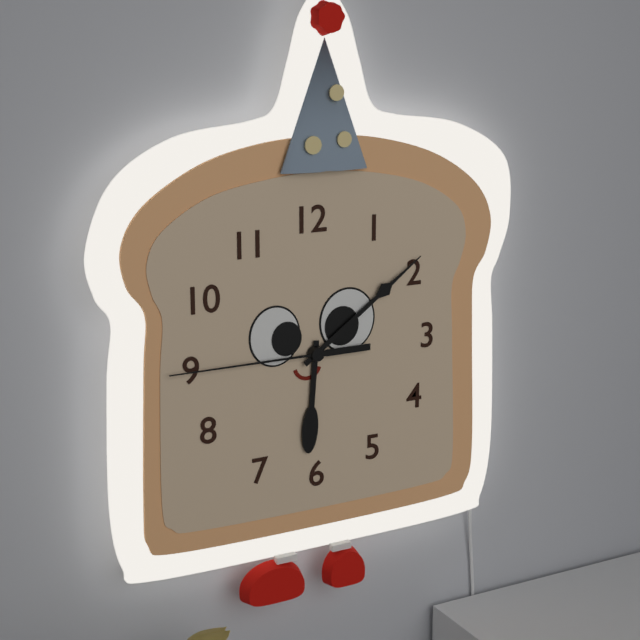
6:09:45
